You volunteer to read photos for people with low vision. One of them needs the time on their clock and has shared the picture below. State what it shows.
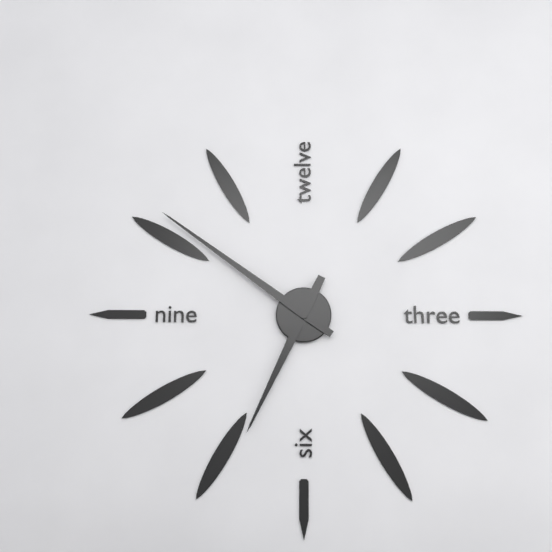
6:51
